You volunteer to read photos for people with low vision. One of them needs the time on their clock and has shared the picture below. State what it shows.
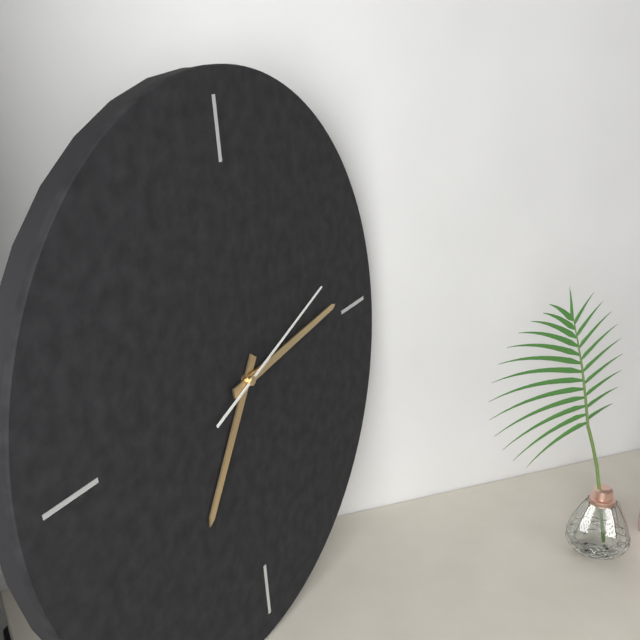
7:14:12
